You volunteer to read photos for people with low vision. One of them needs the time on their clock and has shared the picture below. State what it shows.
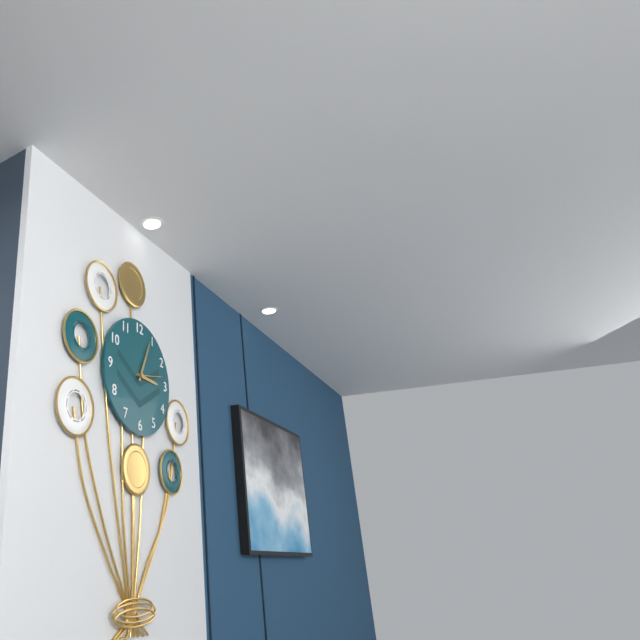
3:04
